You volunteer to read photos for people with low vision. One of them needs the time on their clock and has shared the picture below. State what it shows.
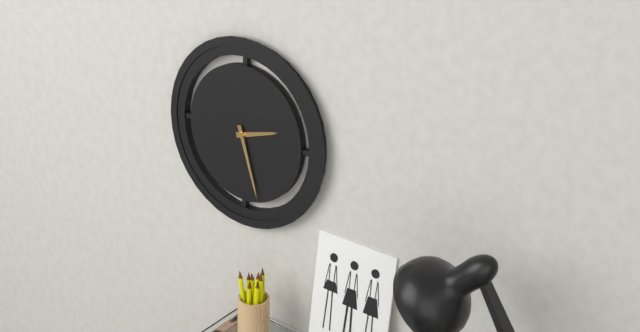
2:27
